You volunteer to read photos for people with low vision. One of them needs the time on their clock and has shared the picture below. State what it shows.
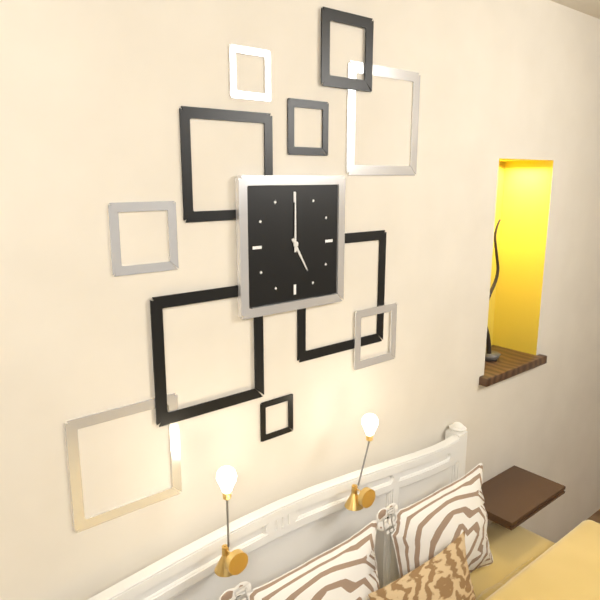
5:00
